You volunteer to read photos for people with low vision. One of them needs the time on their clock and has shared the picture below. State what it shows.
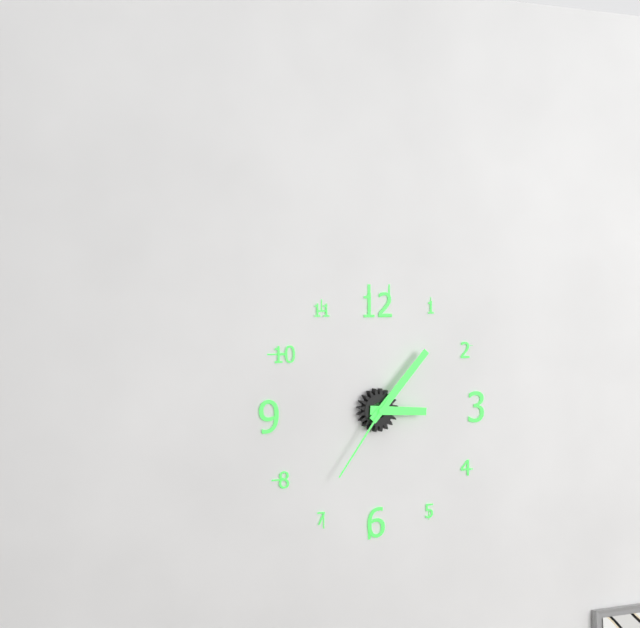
3:07:36
